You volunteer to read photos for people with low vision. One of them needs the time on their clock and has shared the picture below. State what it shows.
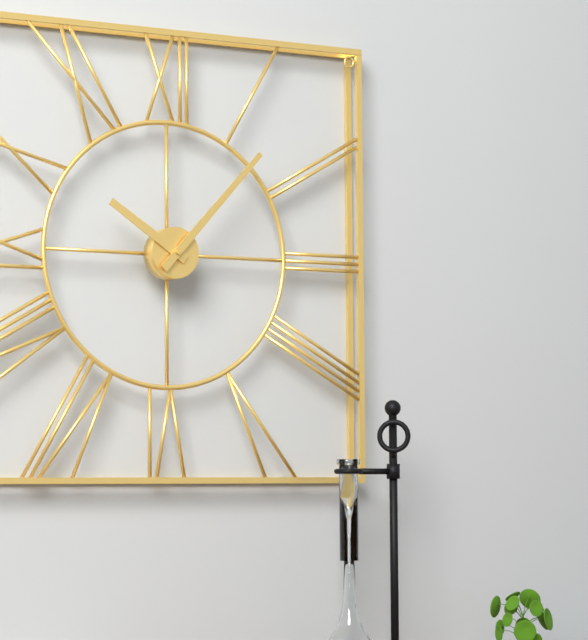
10:07
